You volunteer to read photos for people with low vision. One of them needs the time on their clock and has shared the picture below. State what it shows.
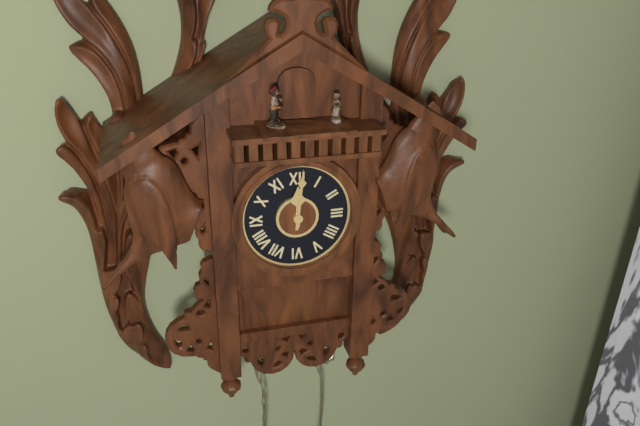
12:01
